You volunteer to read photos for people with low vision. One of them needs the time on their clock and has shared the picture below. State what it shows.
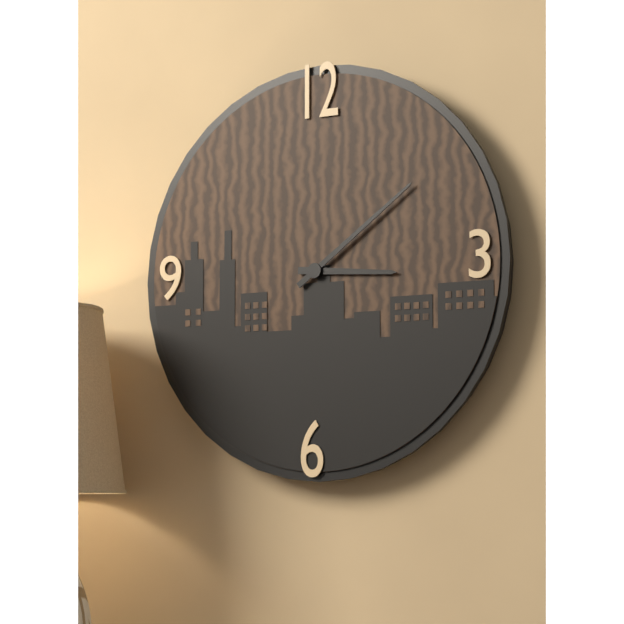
3:09
